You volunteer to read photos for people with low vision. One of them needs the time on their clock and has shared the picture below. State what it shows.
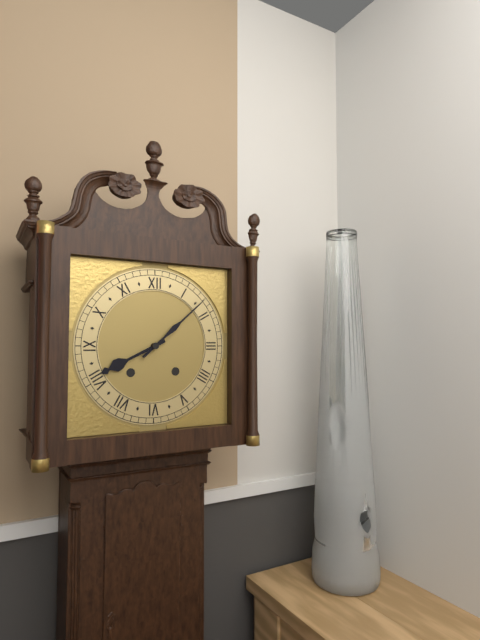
8:08
